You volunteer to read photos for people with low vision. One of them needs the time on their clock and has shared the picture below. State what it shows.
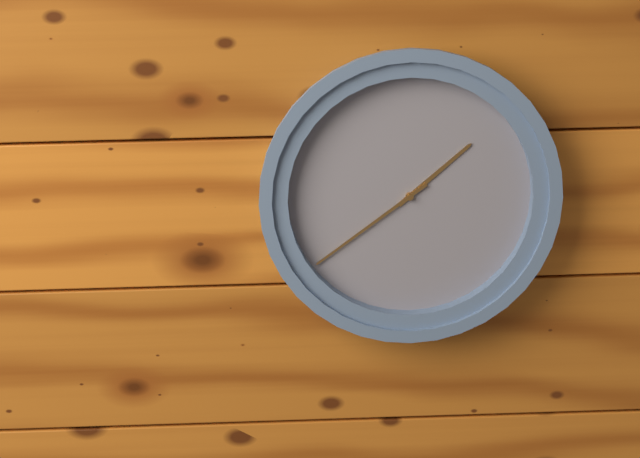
1:39
